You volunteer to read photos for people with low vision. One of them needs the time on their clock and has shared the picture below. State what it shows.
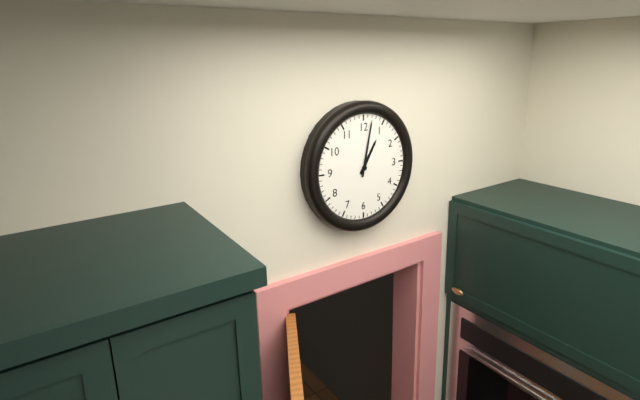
1:02
